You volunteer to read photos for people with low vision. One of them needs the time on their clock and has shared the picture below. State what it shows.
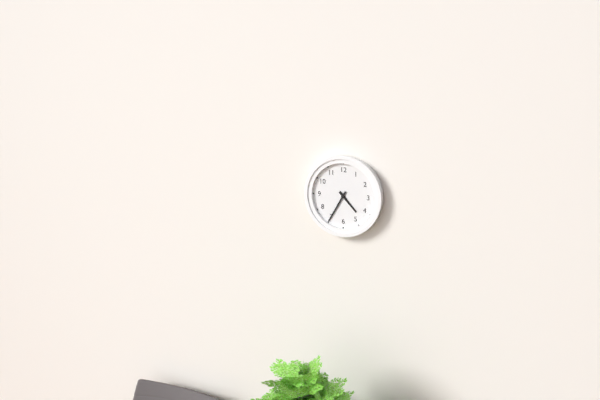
4:35
